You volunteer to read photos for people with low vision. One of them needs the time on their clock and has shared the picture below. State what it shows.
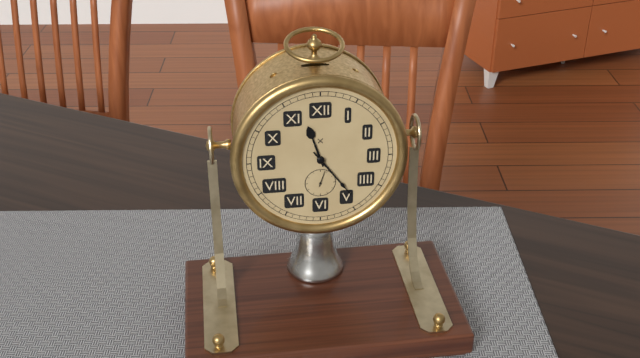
11:24
